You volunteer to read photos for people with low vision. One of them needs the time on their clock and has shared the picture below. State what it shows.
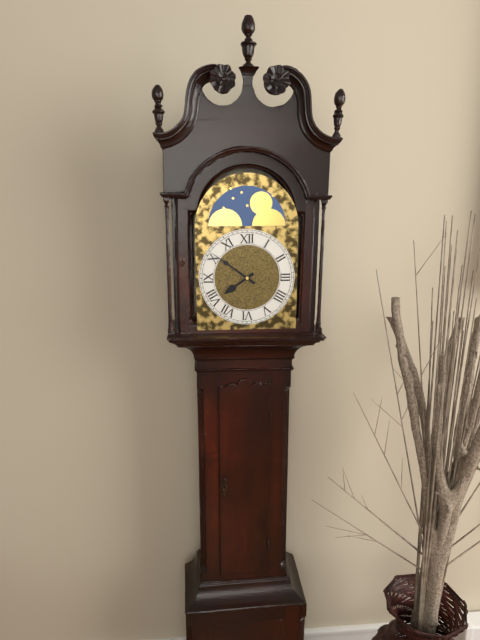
7:51
